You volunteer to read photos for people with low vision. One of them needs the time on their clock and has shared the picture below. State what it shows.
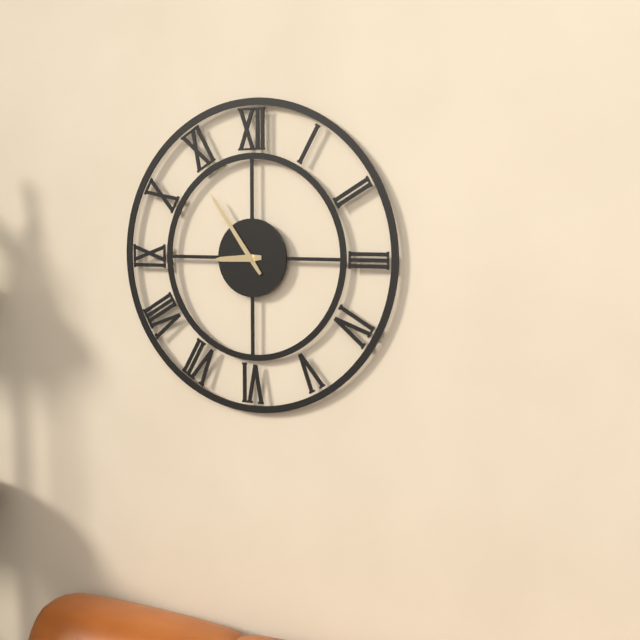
8:54
